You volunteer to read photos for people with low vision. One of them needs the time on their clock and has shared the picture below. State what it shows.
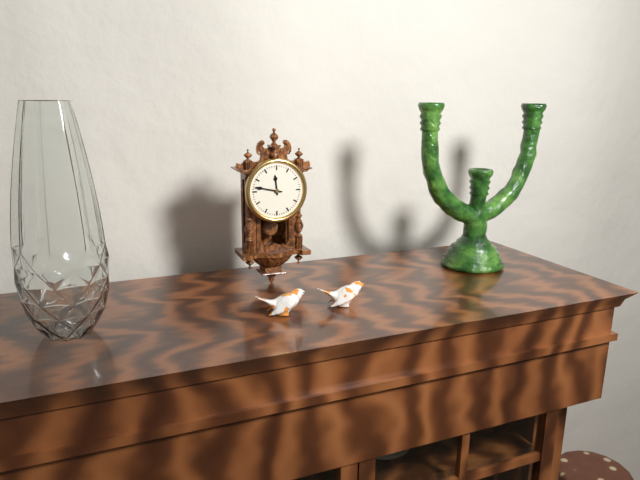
11:47
